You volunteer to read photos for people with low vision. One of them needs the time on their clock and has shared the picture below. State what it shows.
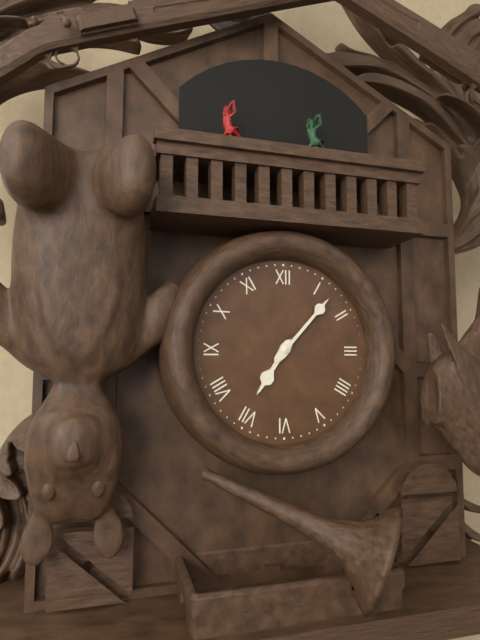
7:07
